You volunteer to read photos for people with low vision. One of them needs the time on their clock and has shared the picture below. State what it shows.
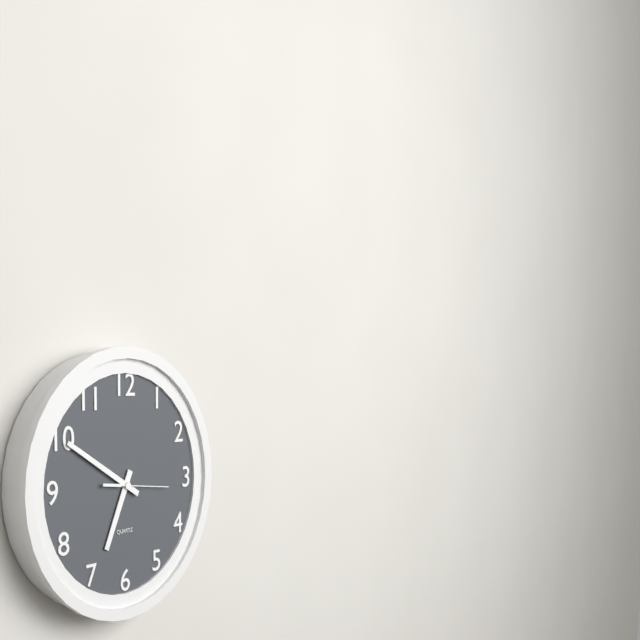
6:50:16
